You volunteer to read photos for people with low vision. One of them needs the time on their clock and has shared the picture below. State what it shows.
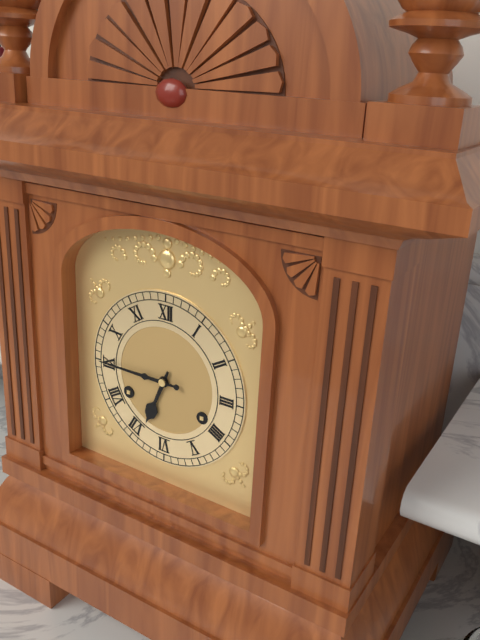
6:45
